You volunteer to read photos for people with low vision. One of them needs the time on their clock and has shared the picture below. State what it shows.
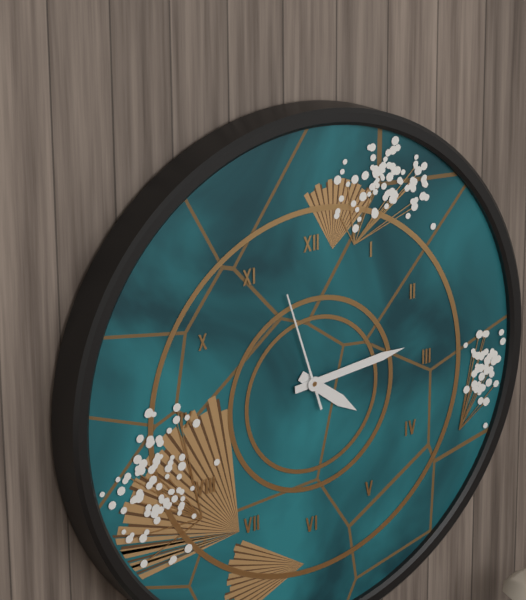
4:14:57
